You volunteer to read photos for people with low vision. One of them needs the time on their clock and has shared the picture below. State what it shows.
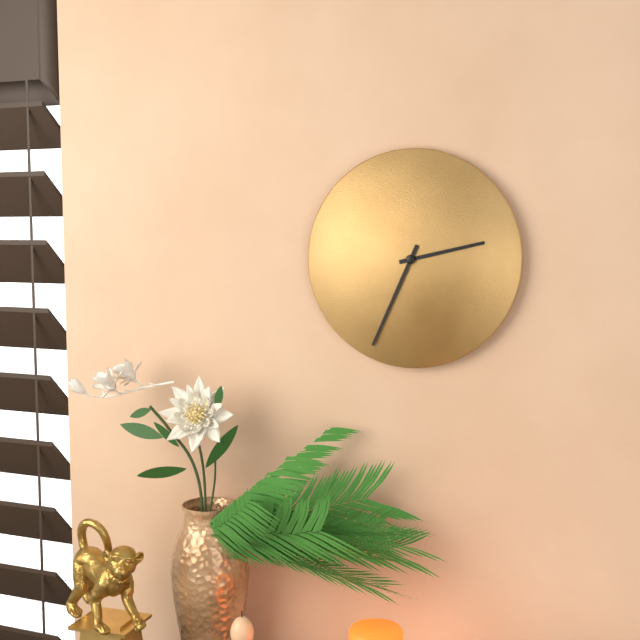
2:34
